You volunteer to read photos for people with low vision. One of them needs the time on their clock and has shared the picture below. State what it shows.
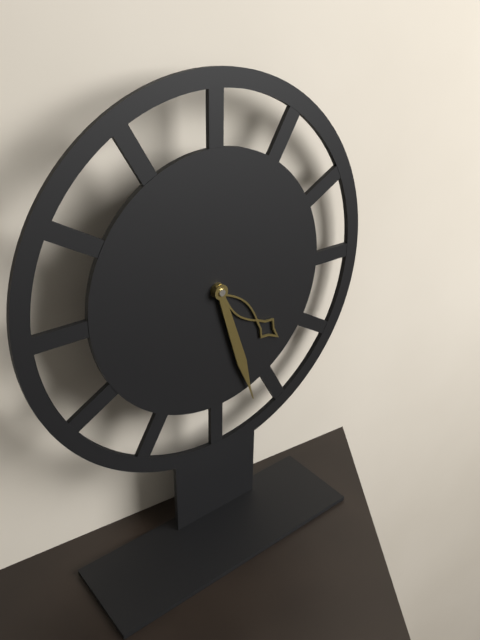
4:27
